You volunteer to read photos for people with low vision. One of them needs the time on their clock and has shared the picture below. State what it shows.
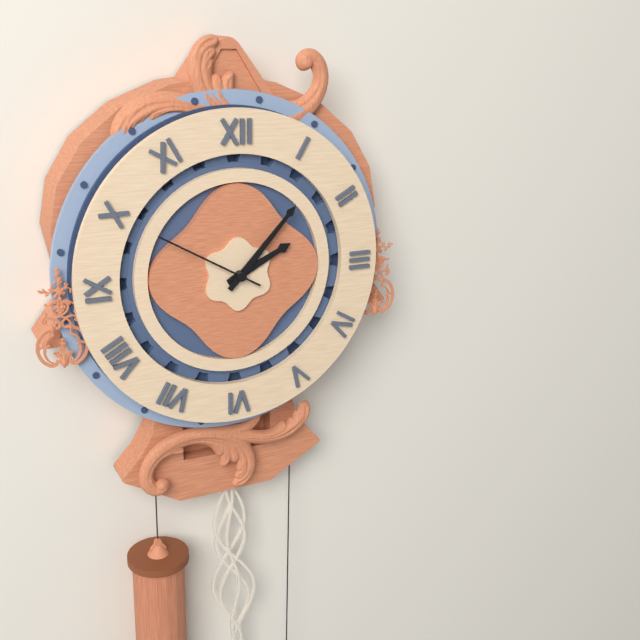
2:07:50
